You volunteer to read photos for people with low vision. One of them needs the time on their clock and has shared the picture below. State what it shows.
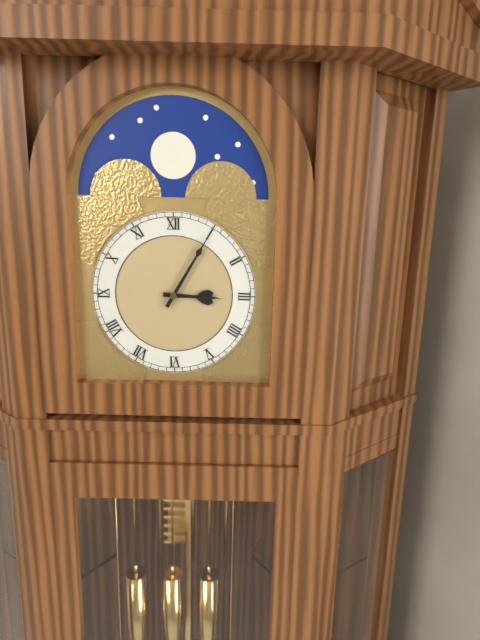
3:05
